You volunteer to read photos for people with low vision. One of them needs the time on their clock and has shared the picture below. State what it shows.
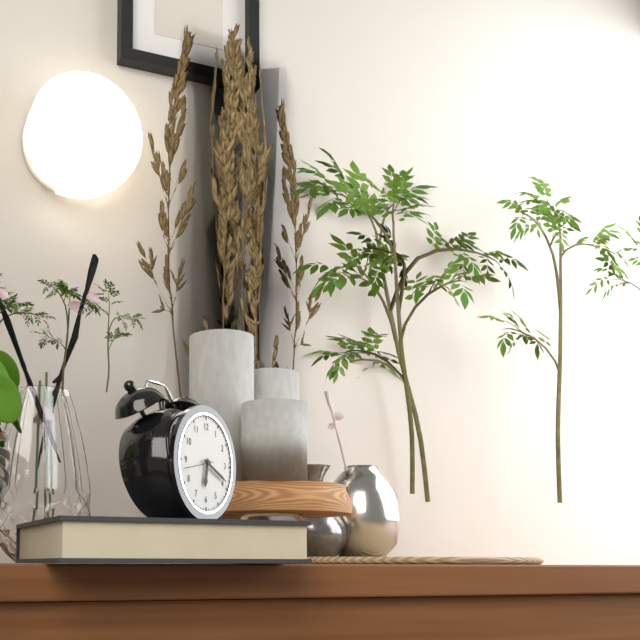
6:19
